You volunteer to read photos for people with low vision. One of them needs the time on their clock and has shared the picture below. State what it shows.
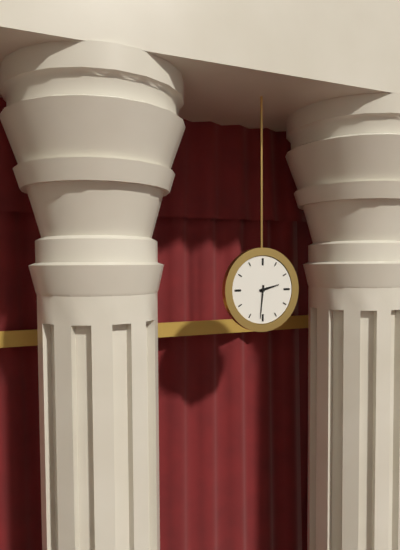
2:31
